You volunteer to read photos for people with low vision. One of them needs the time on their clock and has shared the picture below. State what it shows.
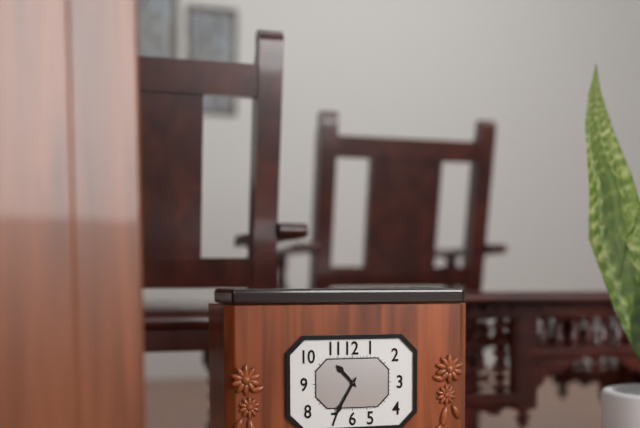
10:35
